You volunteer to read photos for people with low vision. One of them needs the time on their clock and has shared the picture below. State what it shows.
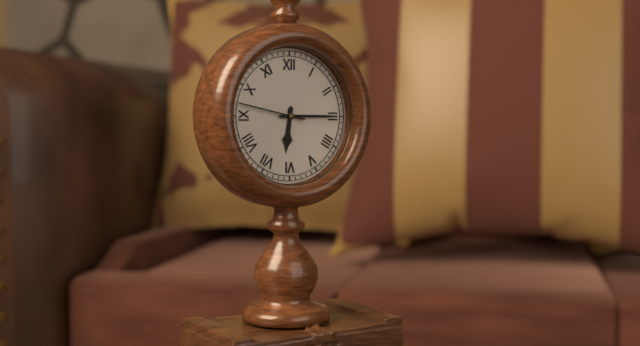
6:15:47
